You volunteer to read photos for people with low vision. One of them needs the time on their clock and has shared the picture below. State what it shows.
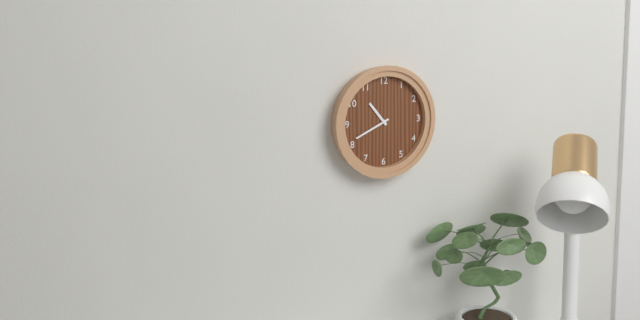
10:41
